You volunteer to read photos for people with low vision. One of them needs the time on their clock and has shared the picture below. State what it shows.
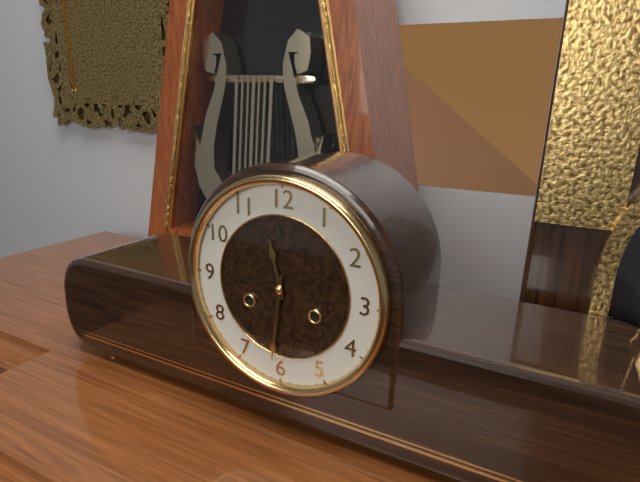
11:31
